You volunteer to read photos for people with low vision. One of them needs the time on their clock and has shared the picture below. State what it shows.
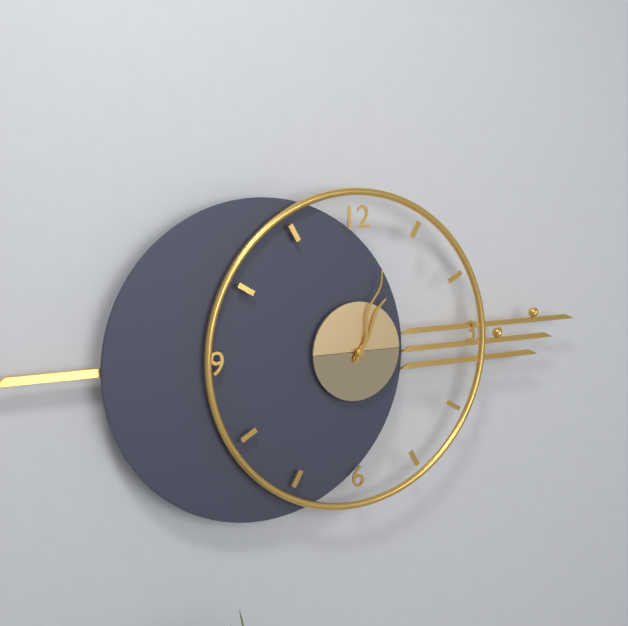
1:03
